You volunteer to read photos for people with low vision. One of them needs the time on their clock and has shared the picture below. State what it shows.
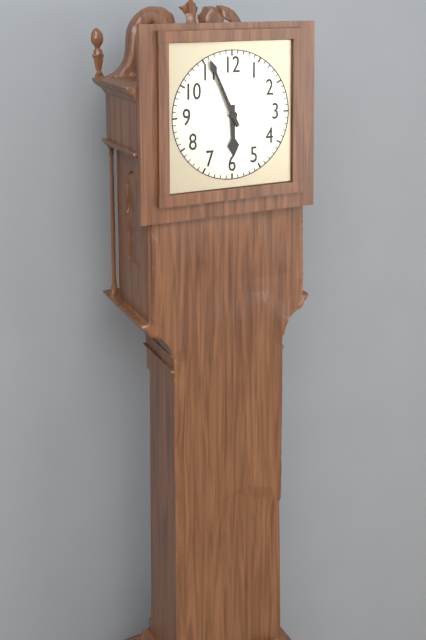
5:56
